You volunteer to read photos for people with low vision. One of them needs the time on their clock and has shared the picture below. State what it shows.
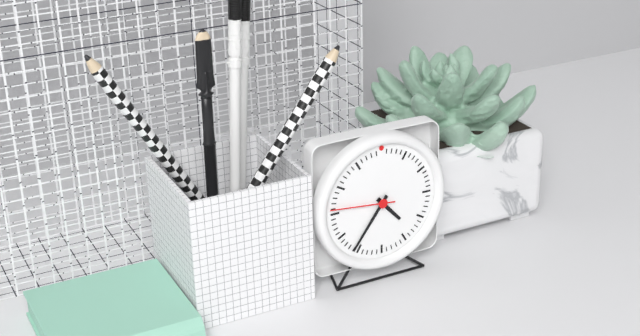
4:36:46
